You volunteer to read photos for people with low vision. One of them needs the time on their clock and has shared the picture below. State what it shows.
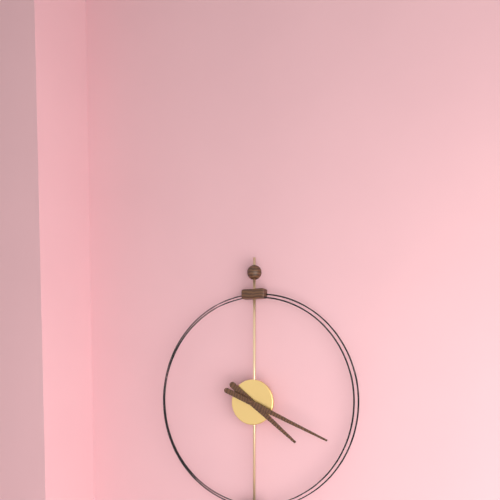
4:19
